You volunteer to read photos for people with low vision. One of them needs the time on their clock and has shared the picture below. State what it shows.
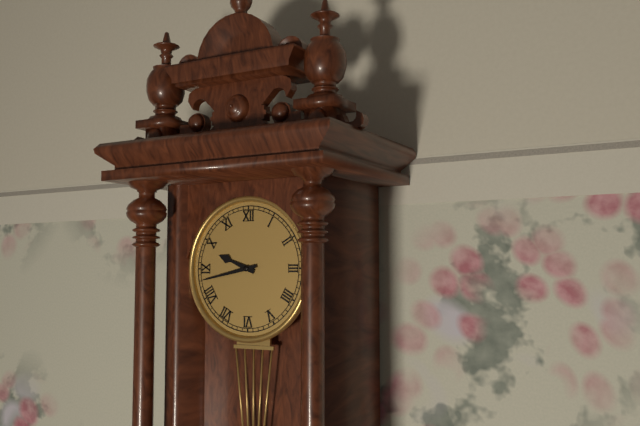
9:43
